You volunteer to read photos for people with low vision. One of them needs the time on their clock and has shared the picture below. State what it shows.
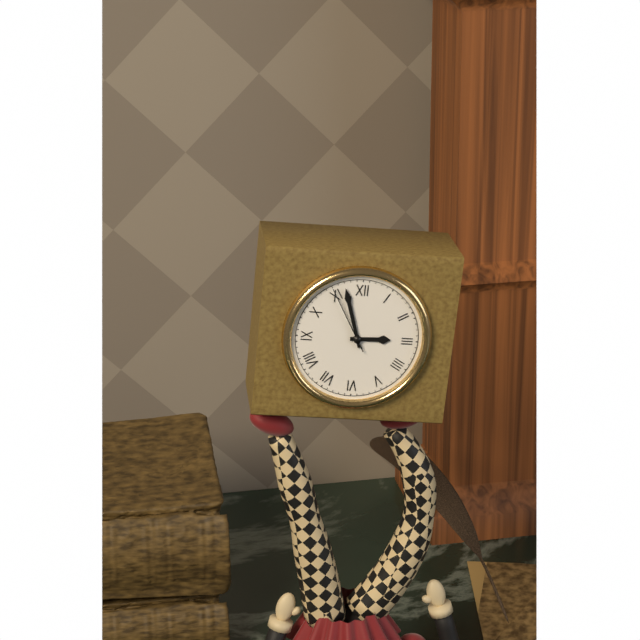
2:57
